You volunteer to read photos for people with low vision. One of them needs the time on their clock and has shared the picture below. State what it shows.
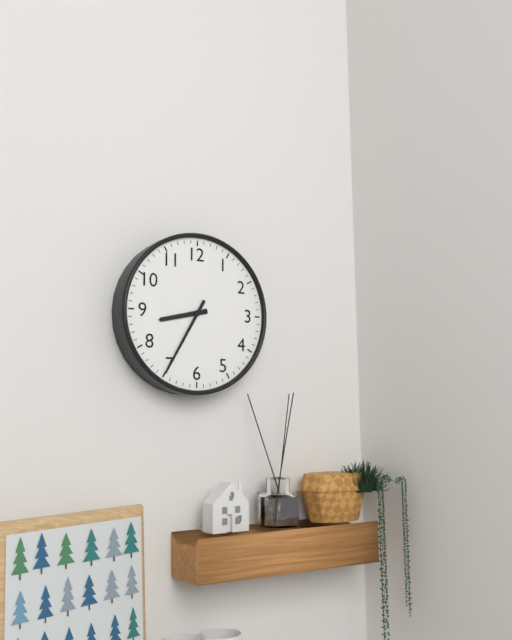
8:35
